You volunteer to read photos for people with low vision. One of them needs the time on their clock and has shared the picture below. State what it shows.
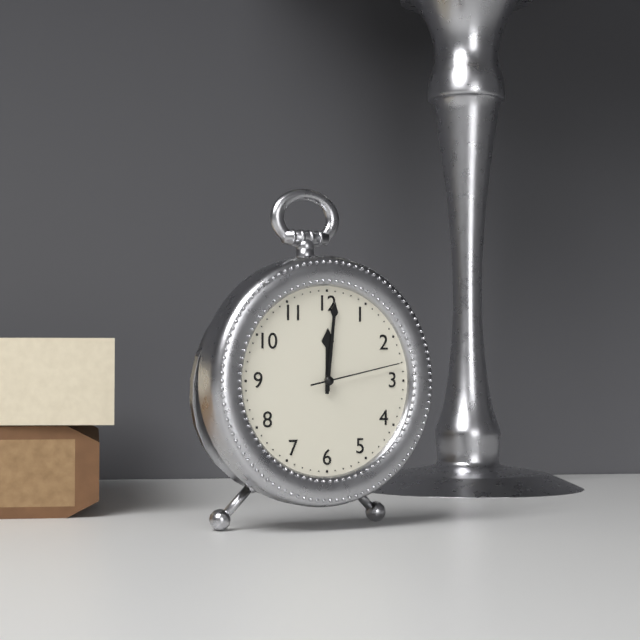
12:01:13
